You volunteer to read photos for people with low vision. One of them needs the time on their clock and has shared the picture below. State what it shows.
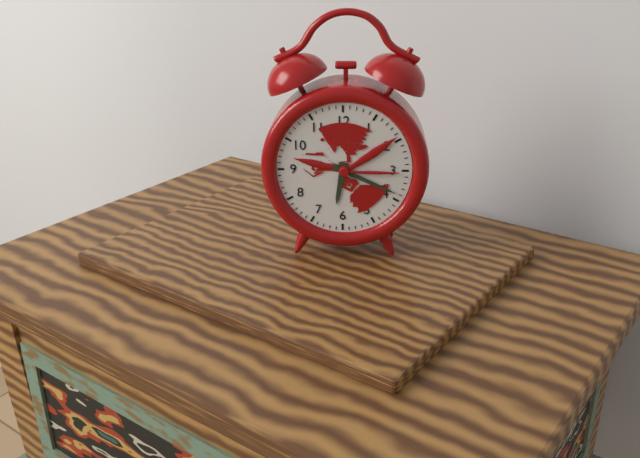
6:19
